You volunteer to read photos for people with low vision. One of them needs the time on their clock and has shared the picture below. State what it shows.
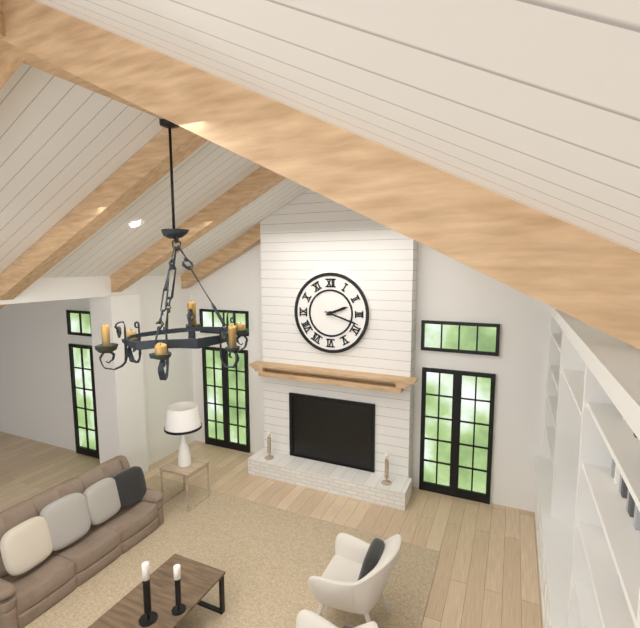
2:18
